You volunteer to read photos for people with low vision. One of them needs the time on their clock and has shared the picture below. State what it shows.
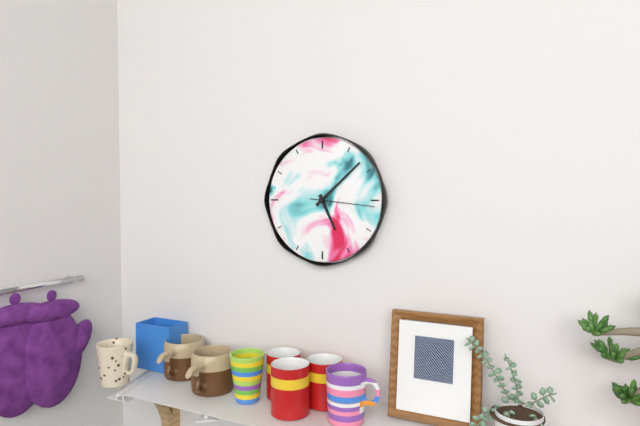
5:08:16
